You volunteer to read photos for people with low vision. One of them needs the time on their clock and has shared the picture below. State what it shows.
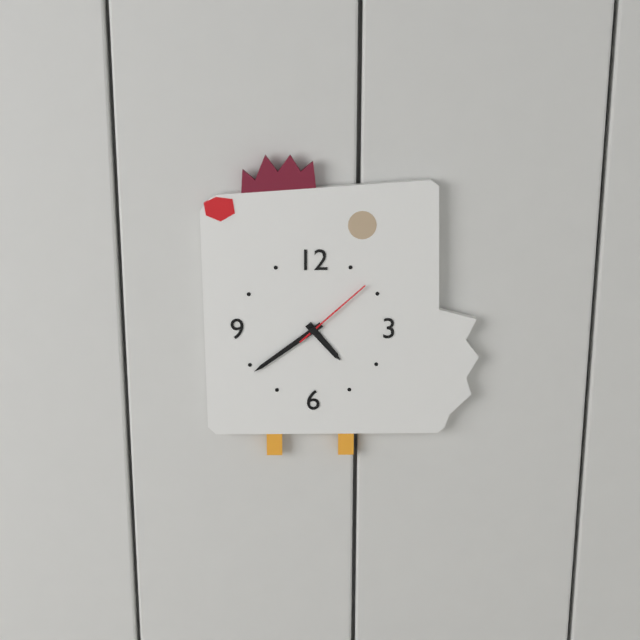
4:39:08
